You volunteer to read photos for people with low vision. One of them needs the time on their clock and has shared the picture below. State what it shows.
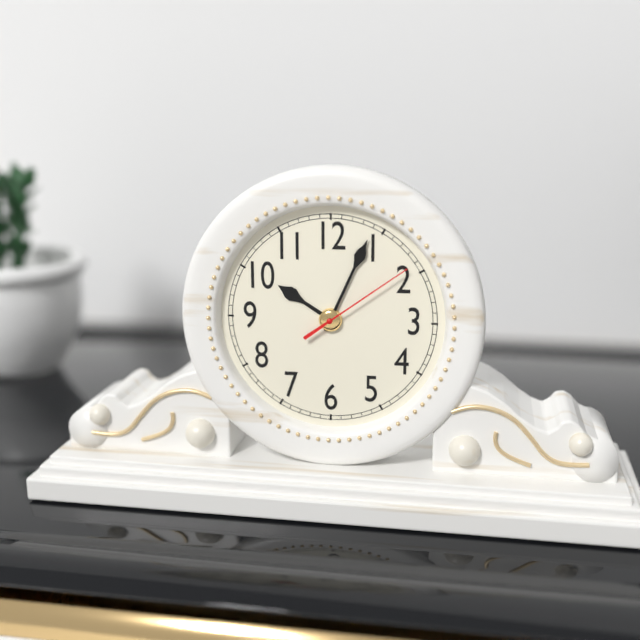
10:04:09
